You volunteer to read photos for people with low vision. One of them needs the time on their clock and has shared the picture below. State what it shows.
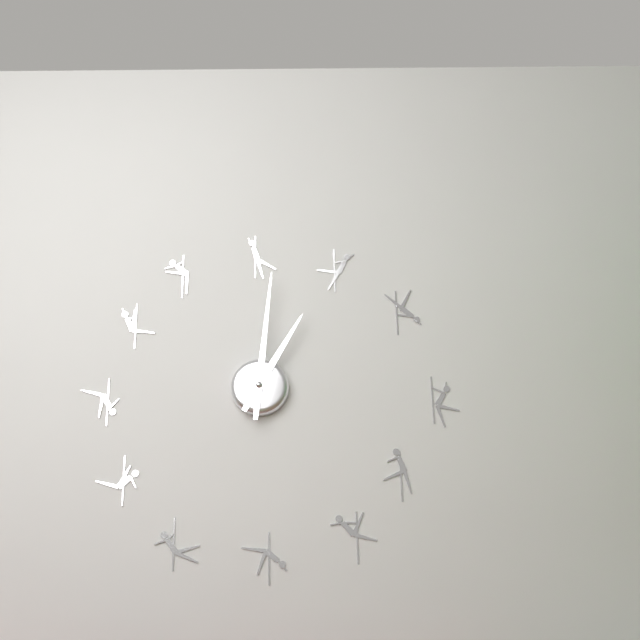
1:01
